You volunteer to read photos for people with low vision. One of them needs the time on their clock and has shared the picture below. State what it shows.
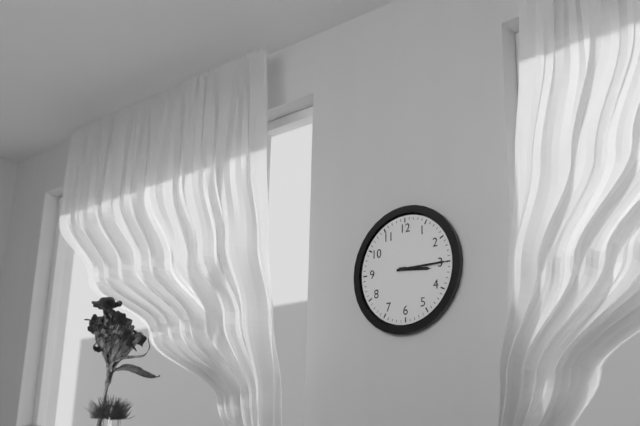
3:15
